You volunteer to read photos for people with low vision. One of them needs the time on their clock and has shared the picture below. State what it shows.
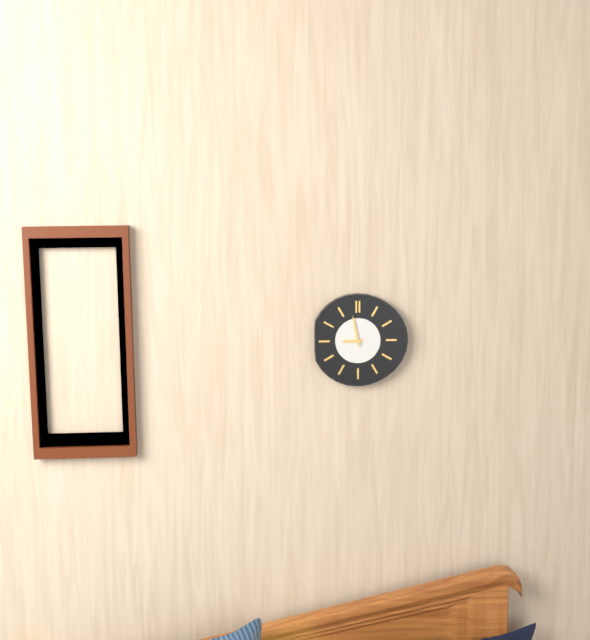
8:58
